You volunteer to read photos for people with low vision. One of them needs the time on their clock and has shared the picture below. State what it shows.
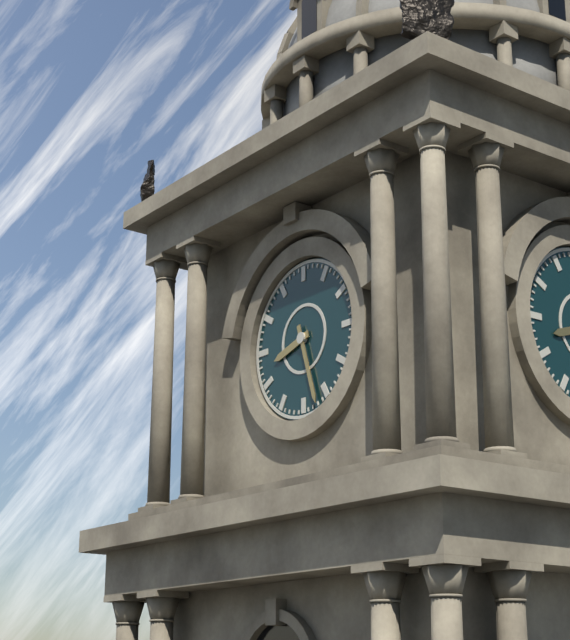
8:27
